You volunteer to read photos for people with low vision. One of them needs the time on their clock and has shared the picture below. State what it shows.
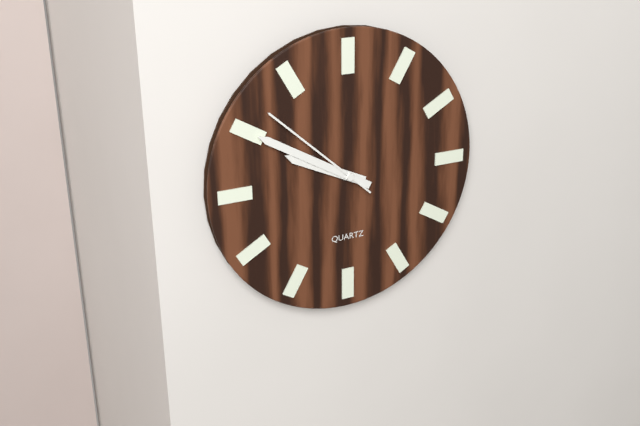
9:50:52
